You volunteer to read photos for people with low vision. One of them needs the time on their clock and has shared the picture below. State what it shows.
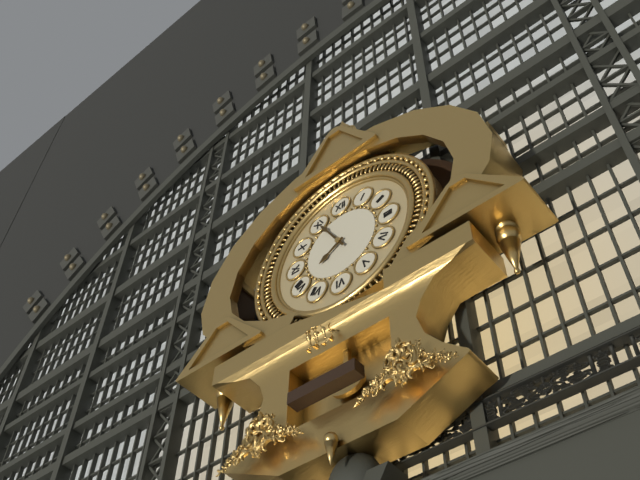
7:55
